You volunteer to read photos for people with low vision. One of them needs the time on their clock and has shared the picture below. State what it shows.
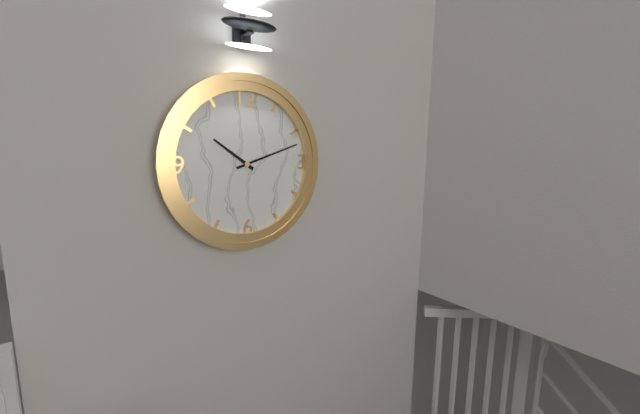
10:12
